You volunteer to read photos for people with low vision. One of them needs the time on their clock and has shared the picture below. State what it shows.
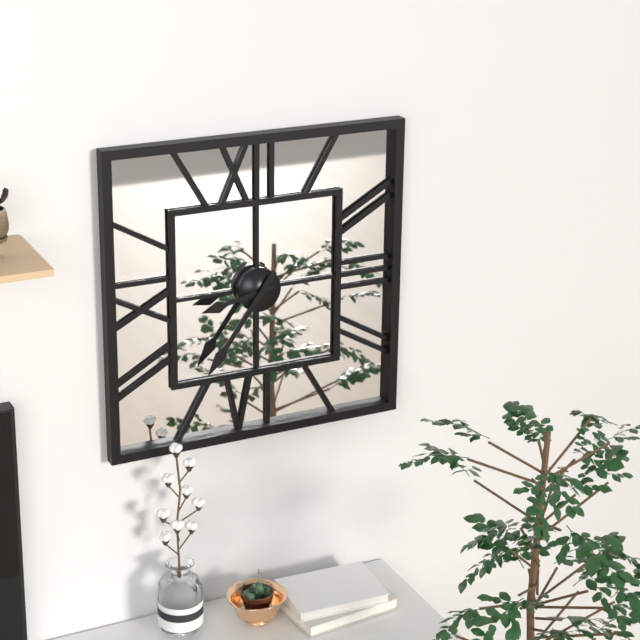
8:36
